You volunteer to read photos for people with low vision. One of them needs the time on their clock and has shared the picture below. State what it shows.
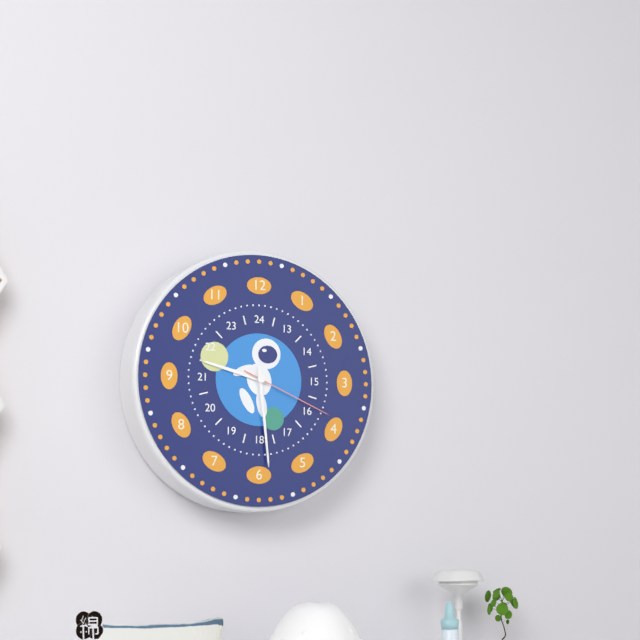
9:29:19
